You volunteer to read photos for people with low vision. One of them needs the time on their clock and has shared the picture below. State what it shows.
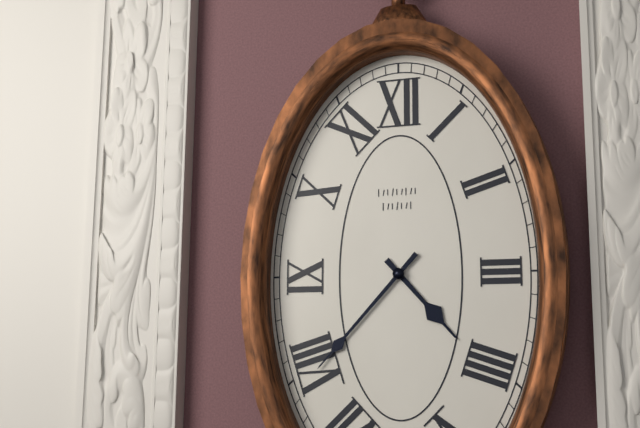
4:37
